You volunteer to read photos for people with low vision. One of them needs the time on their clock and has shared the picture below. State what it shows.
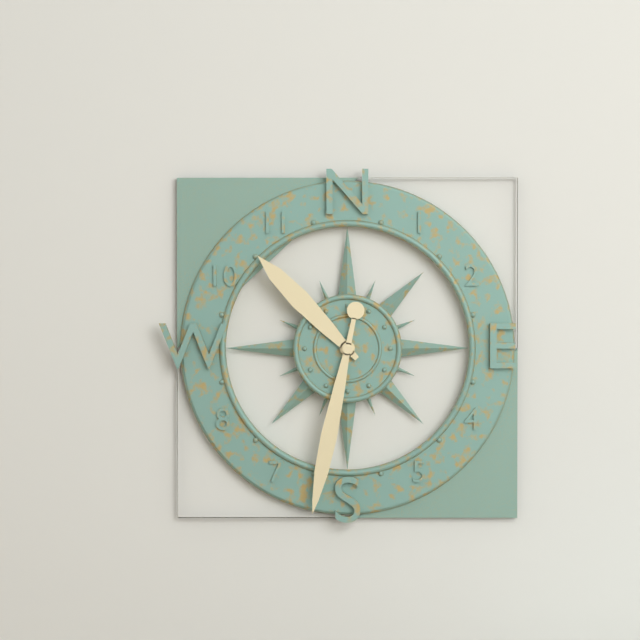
10:32
